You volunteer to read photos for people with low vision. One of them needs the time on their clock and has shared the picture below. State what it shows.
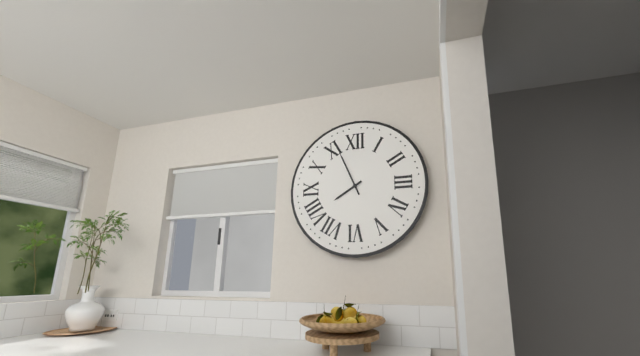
7:56
